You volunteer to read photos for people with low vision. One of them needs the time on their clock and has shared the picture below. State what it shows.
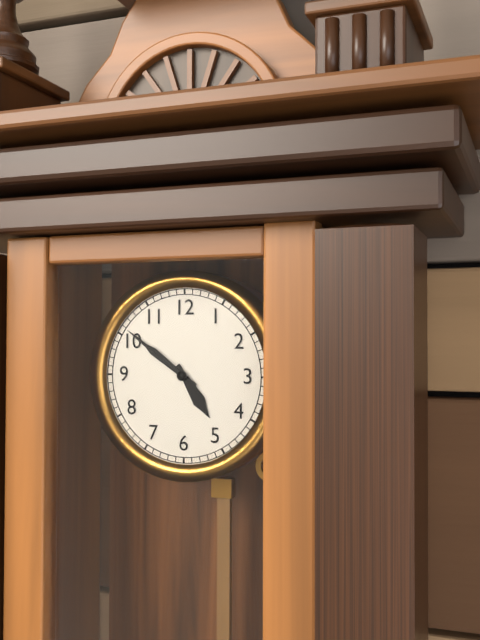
4:51
